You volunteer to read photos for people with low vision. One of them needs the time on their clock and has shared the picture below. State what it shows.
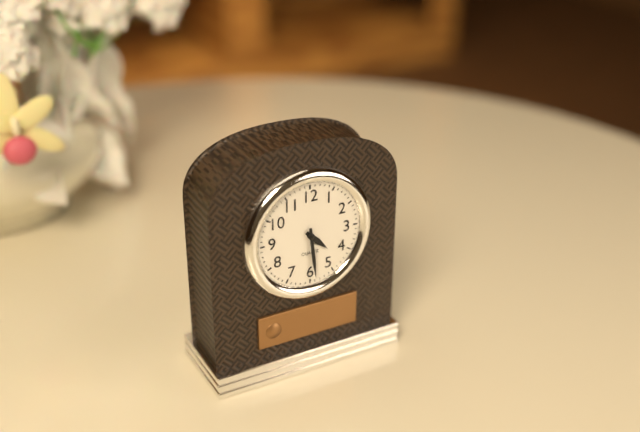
4:29
